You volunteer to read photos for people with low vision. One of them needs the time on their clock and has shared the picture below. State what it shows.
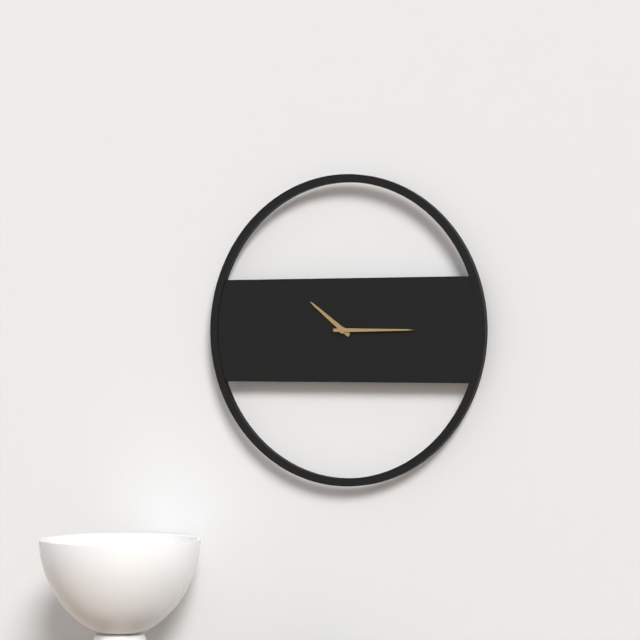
10:15
